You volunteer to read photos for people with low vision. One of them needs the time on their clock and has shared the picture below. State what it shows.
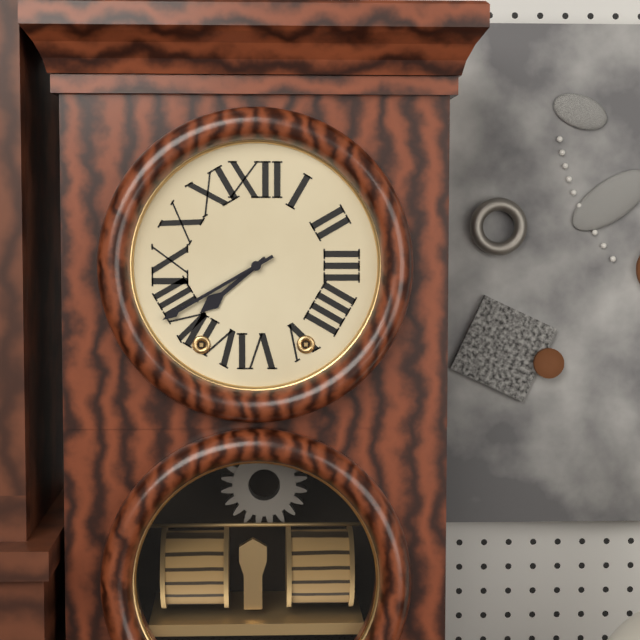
7:40
